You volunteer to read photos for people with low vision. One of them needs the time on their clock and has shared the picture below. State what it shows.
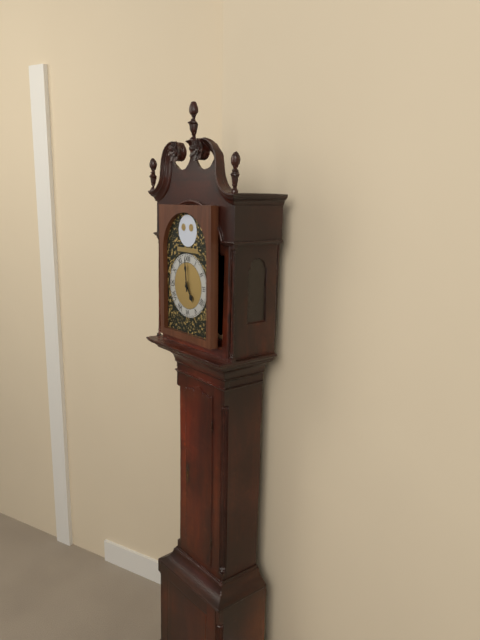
4:59
